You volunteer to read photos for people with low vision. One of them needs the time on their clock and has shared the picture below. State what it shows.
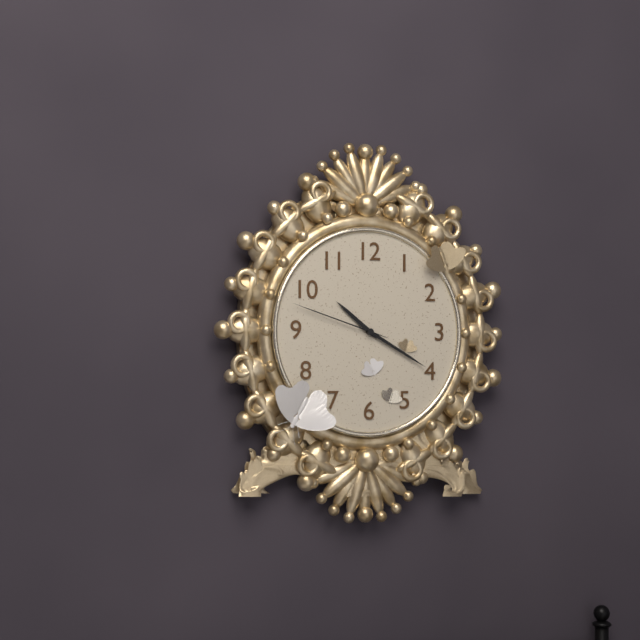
10:20:48
